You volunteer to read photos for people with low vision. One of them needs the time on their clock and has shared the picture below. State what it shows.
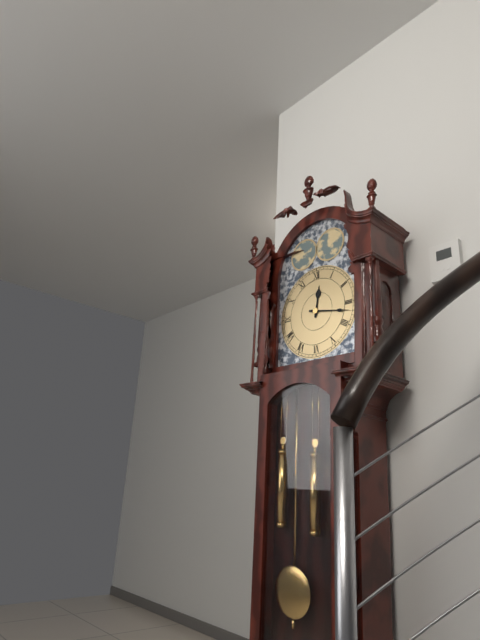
12:17
